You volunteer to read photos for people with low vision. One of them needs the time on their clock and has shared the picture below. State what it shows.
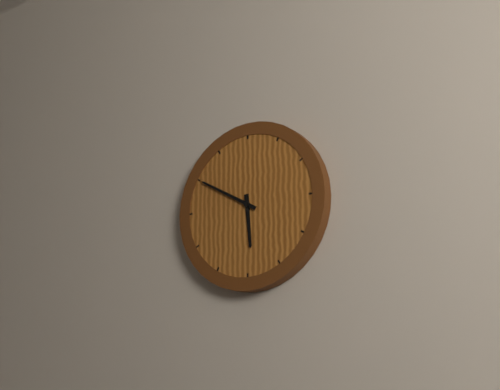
5:50
